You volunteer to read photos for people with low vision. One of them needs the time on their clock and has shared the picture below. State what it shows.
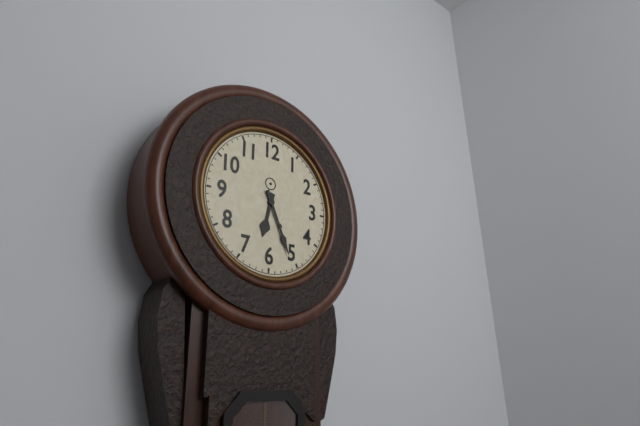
6:26
